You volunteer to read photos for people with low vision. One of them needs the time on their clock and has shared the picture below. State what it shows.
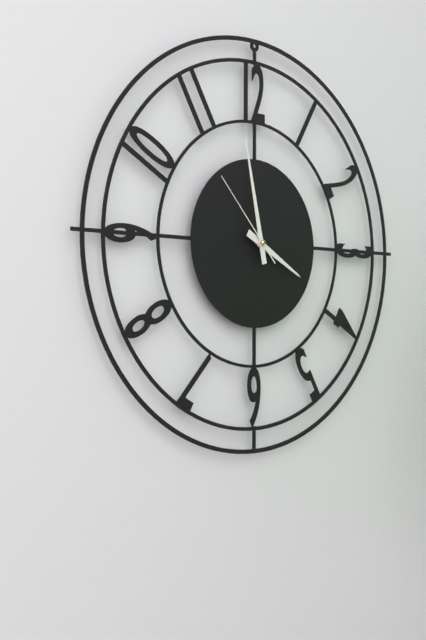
3:58:53
